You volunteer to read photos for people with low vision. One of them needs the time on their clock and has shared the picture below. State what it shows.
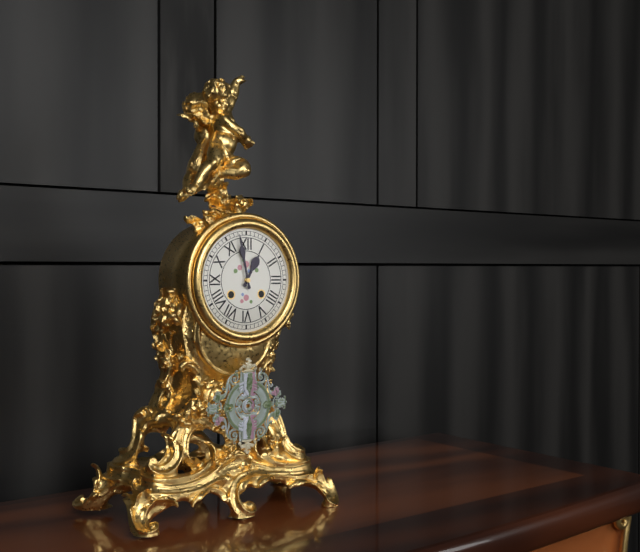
12:58
